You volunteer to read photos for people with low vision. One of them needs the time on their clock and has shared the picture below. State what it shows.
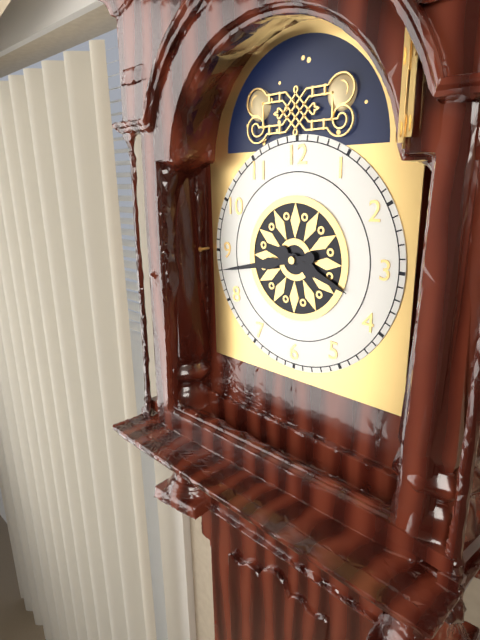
3:43
